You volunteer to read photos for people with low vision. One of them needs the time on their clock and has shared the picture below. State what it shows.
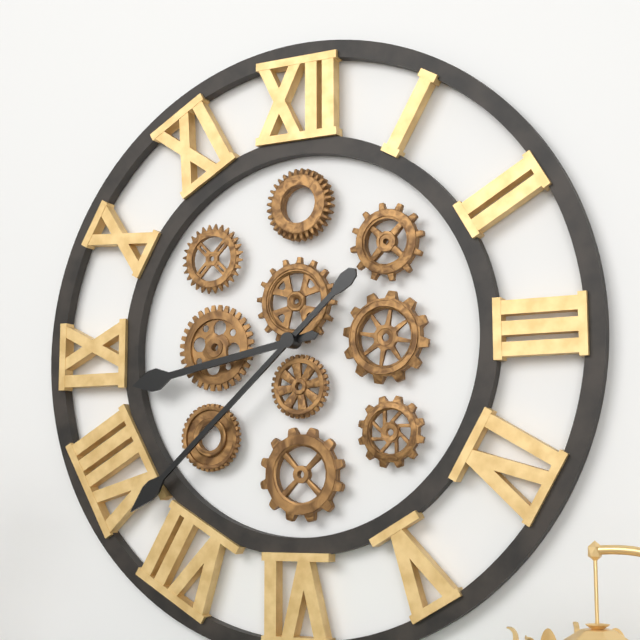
8:38
